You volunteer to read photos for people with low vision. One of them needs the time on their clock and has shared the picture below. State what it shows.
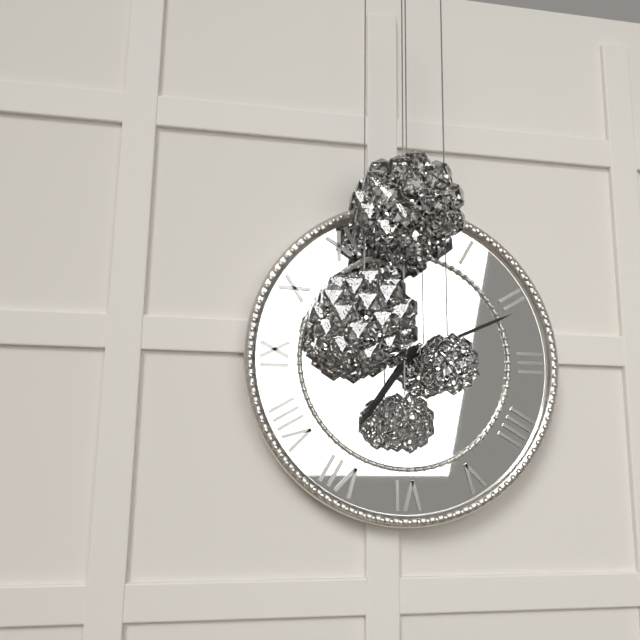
7:11
